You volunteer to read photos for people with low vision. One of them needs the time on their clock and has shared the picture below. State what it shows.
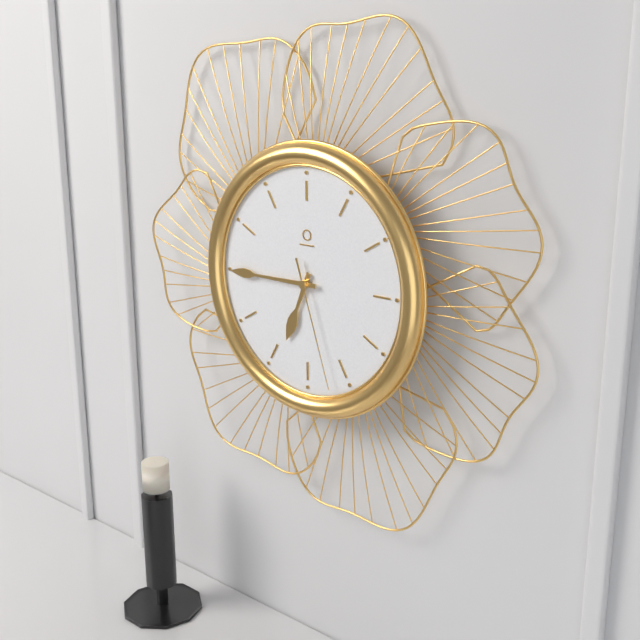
6:45:27
